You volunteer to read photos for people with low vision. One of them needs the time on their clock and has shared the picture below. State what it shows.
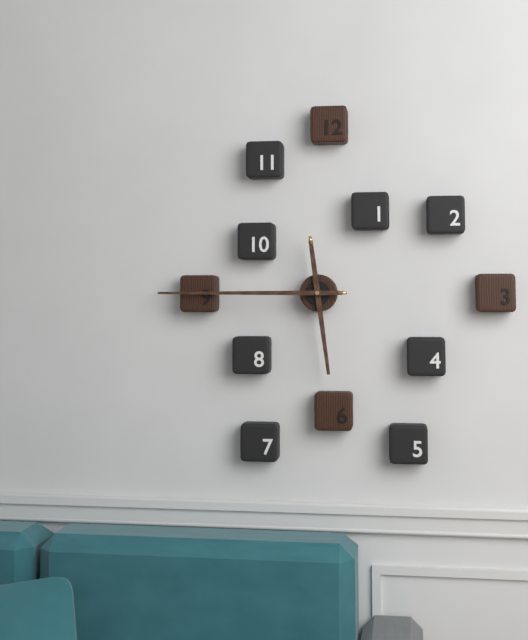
5:45
